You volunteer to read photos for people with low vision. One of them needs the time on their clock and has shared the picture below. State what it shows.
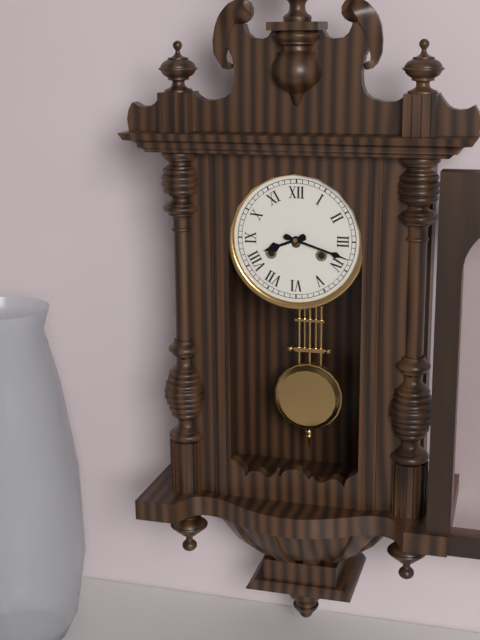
8:18
